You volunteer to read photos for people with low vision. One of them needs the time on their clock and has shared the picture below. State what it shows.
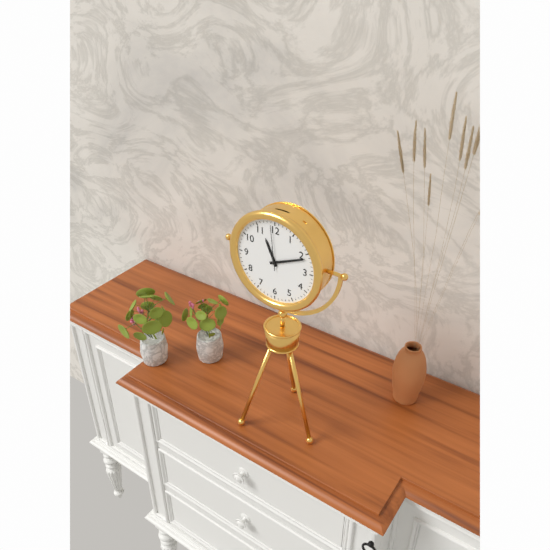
11:11
